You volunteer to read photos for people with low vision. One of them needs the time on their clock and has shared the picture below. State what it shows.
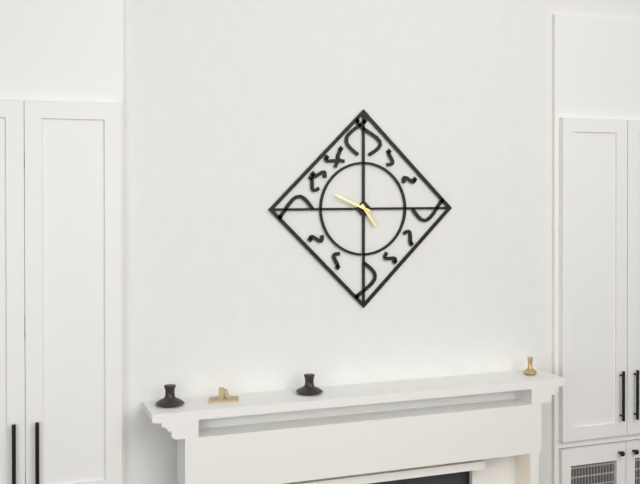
4:49
